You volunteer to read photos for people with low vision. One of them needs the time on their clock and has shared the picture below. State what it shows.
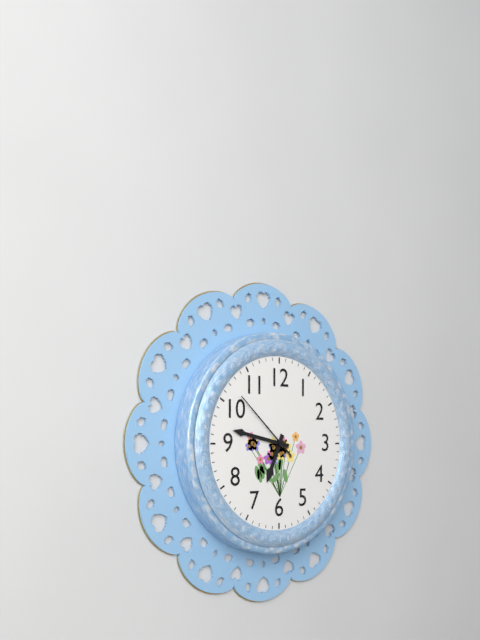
6:47:52
